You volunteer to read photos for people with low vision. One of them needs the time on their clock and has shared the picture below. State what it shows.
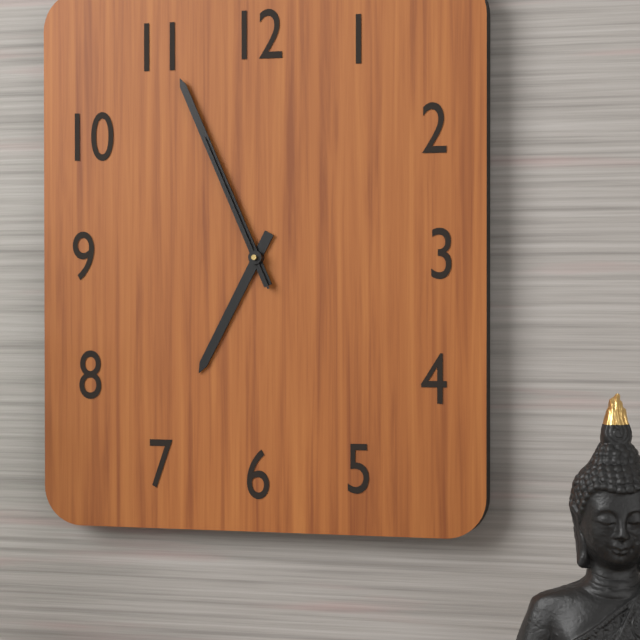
6:56:56
